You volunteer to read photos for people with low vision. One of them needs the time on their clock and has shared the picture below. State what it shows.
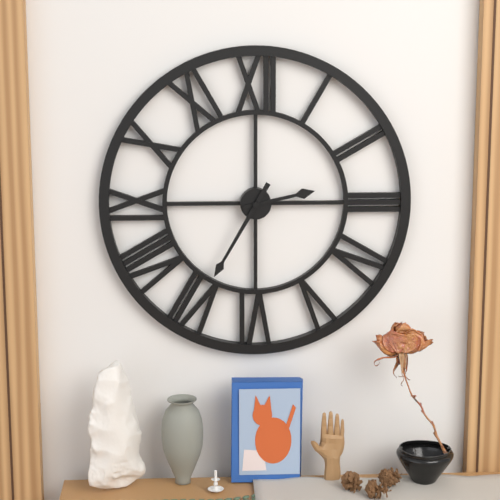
2:35
